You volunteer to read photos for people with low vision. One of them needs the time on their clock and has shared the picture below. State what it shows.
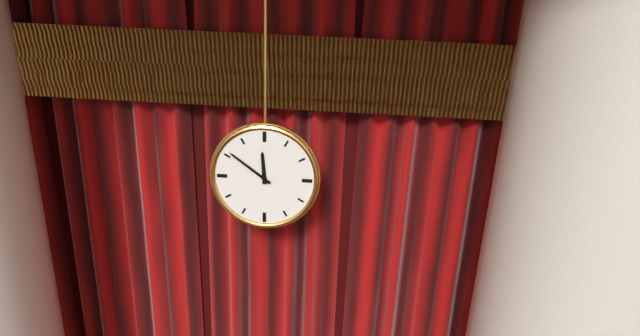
11:51
